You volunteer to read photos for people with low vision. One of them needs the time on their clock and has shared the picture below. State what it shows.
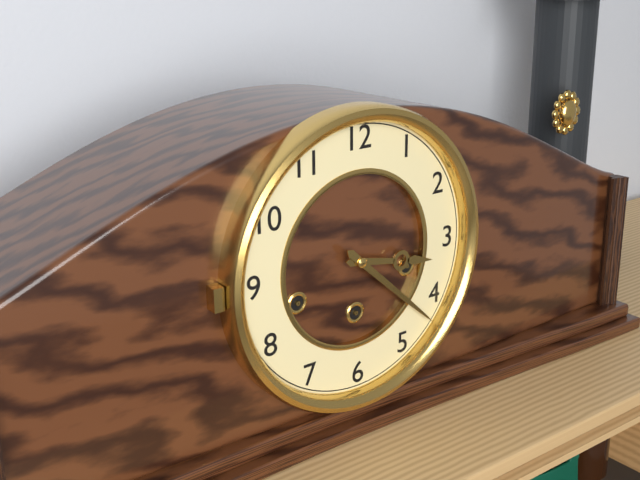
3:22
